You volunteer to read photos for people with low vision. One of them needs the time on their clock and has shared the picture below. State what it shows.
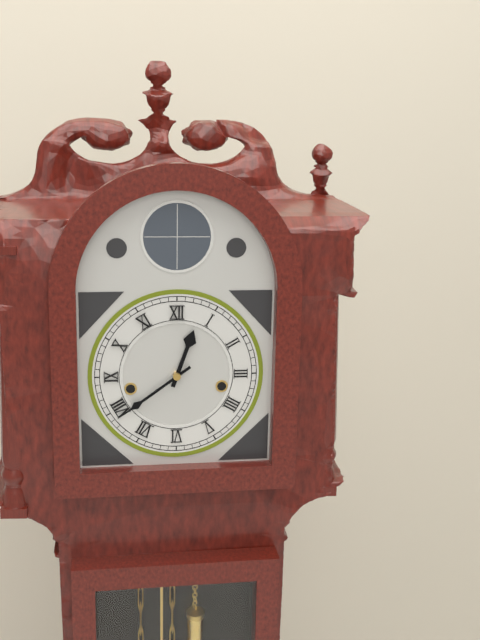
12:39
